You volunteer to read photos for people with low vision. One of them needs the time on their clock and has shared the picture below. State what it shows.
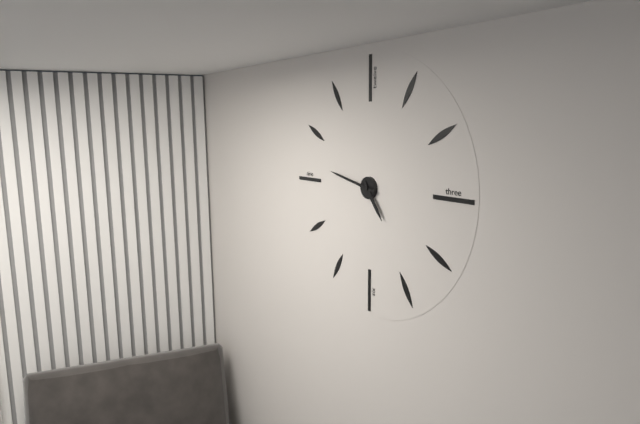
4:47
